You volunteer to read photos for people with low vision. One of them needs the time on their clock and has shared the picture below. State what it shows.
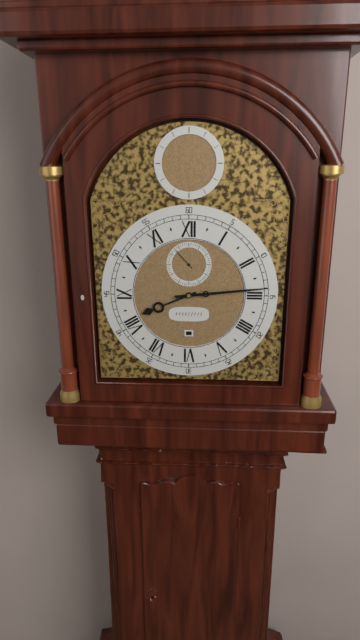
8:14
